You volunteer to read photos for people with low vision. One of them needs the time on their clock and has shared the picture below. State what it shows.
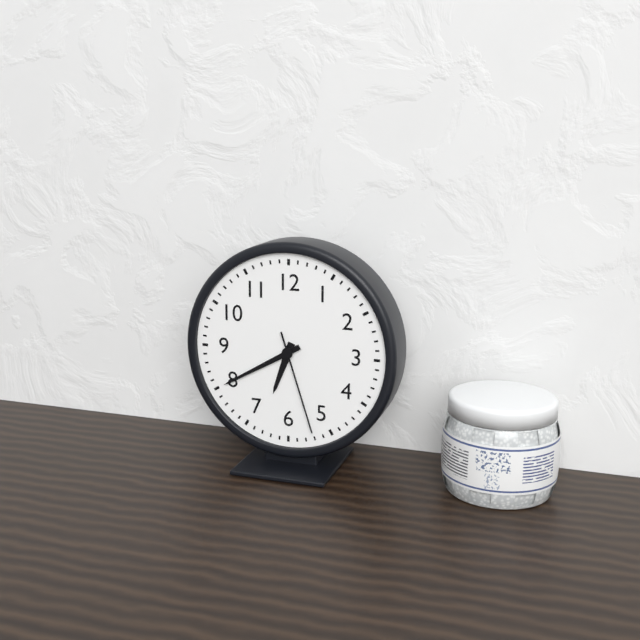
6:40:27
